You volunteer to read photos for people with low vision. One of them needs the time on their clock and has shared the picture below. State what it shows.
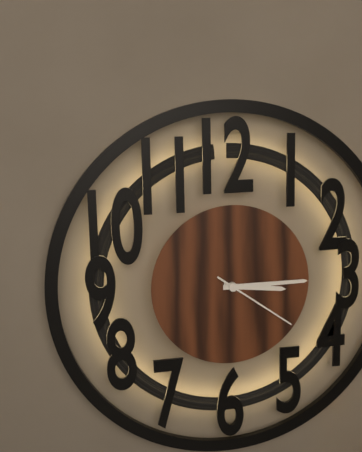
3:15:21
